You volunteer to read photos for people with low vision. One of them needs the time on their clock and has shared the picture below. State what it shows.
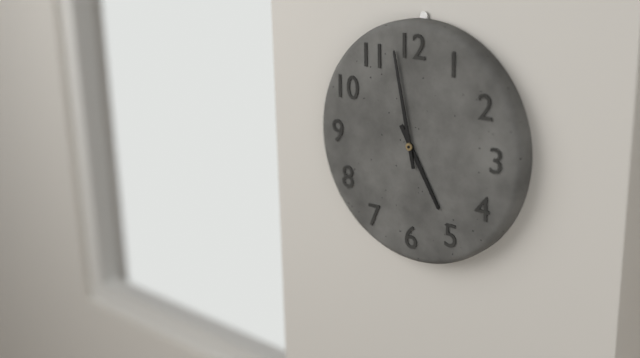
4:58
